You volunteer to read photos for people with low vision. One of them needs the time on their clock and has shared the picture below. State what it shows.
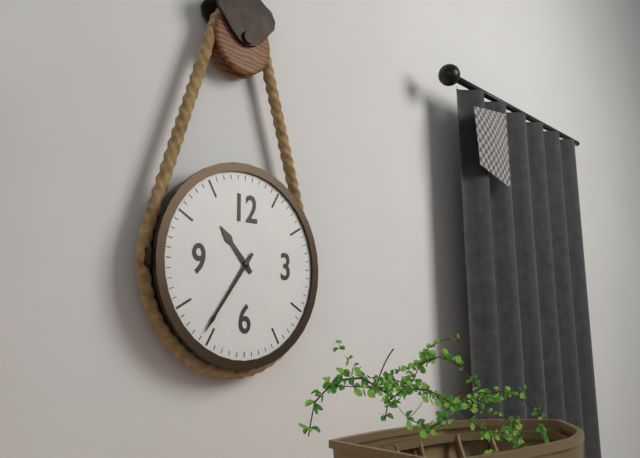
10:36
